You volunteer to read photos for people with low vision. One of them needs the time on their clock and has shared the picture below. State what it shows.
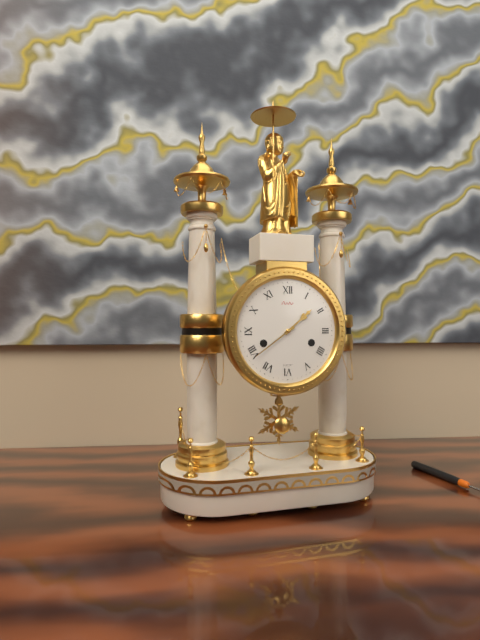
1:39
